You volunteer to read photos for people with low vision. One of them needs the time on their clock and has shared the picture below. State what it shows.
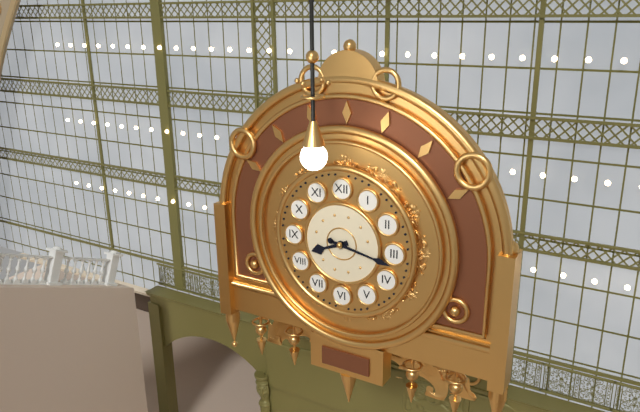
8:17
